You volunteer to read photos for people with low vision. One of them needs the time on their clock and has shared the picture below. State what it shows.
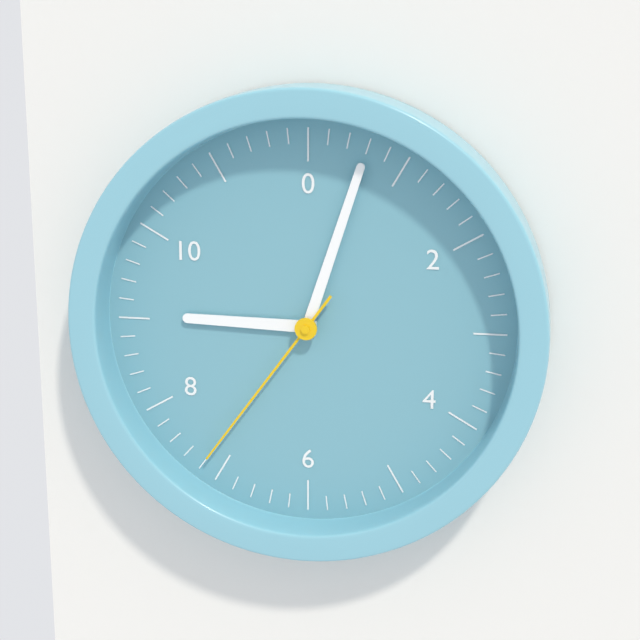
9:03:36
